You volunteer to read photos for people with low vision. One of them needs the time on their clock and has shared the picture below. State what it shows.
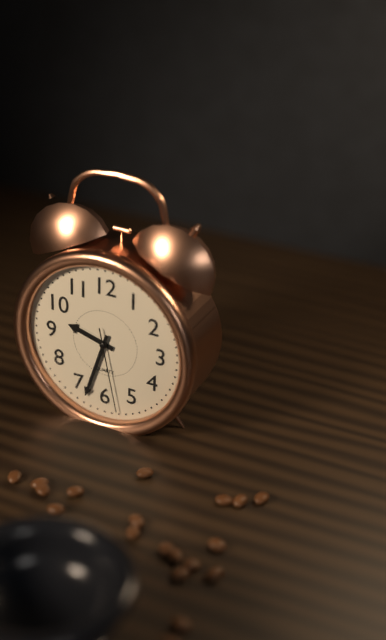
9:33:28
